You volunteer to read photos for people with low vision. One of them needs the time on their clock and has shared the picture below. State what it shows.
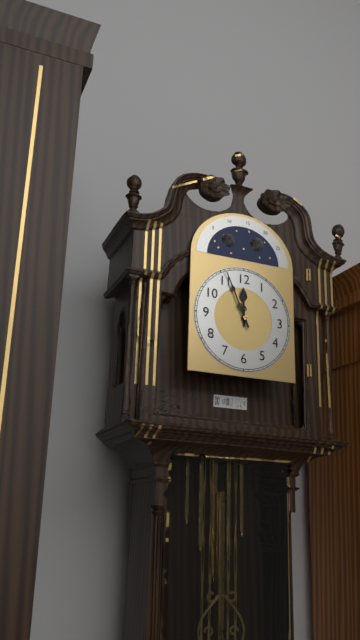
11:56
